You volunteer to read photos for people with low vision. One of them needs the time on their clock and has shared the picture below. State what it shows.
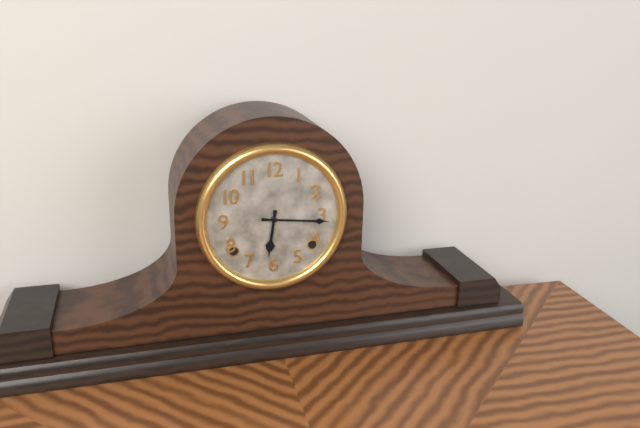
6:16
